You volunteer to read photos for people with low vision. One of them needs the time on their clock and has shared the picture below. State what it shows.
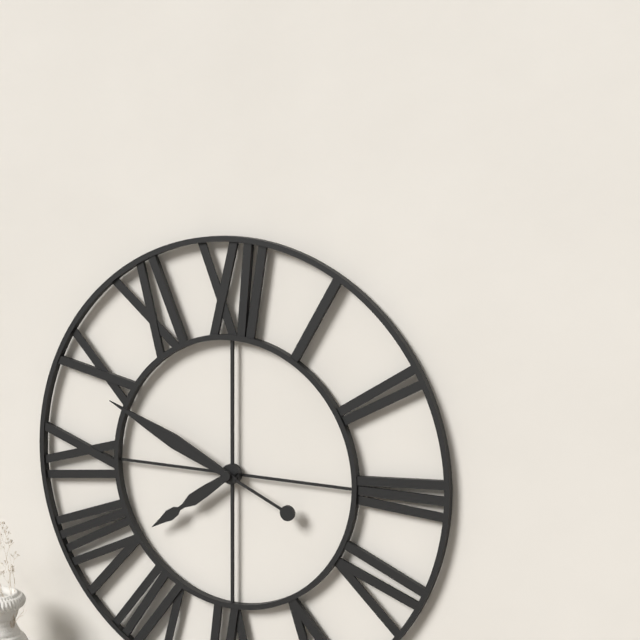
7:49
